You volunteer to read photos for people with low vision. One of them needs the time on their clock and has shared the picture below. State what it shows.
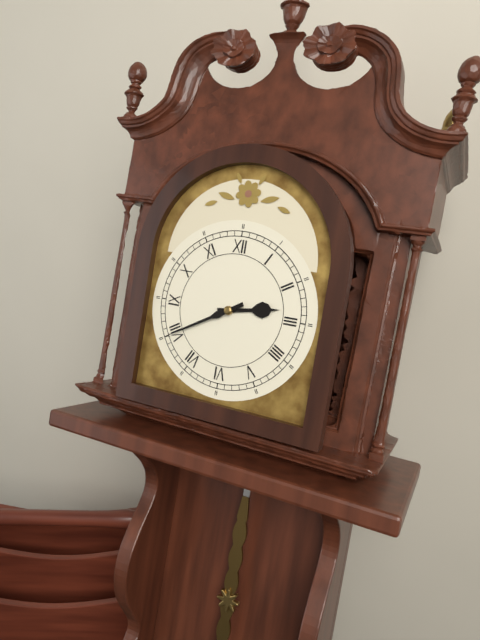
2:40
